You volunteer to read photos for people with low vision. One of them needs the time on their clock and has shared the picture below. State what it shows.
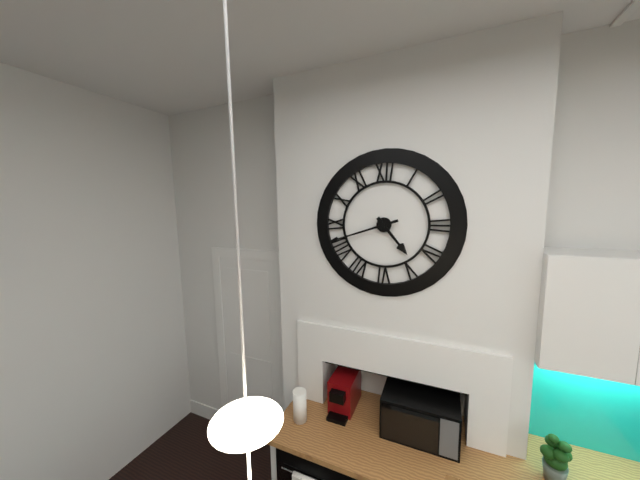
4:42
